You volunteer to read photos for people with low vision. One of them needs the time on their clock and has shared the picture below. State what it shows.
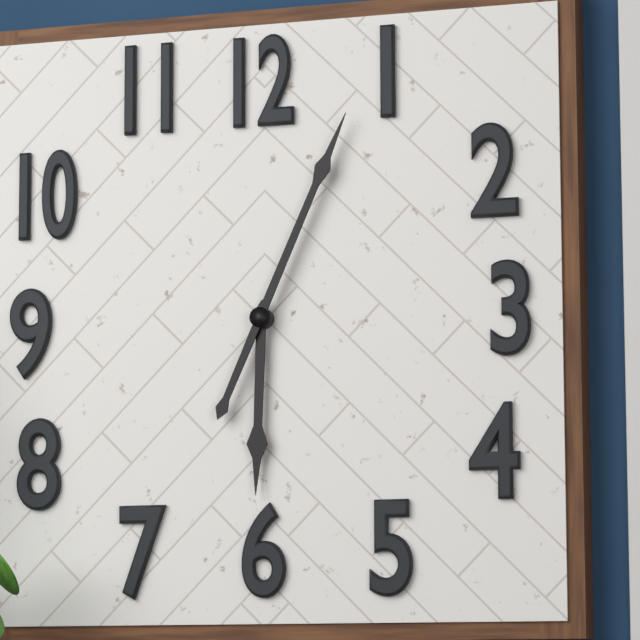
6:04
